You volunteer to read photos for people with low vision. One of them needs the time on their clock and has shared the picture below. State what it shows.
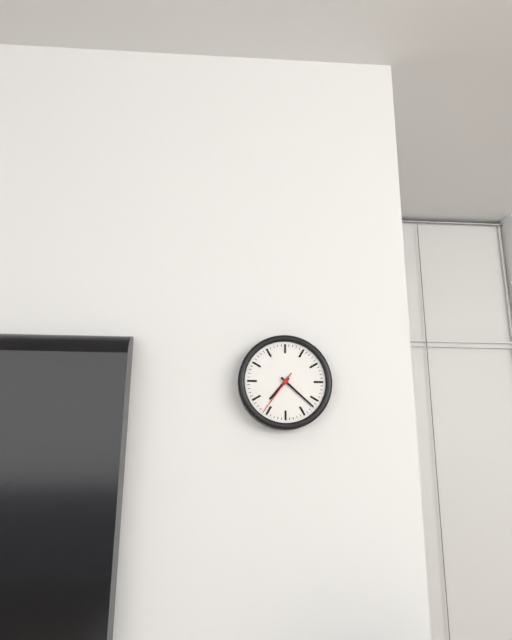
7:22
